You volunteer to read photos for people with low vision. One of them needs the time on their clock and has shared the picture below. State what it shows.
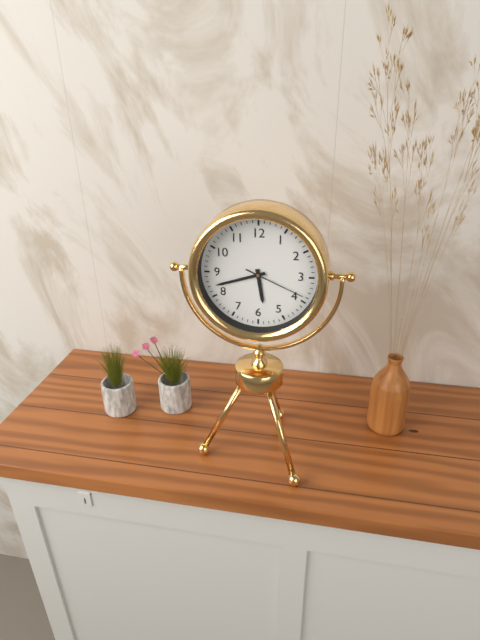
5:42:19
